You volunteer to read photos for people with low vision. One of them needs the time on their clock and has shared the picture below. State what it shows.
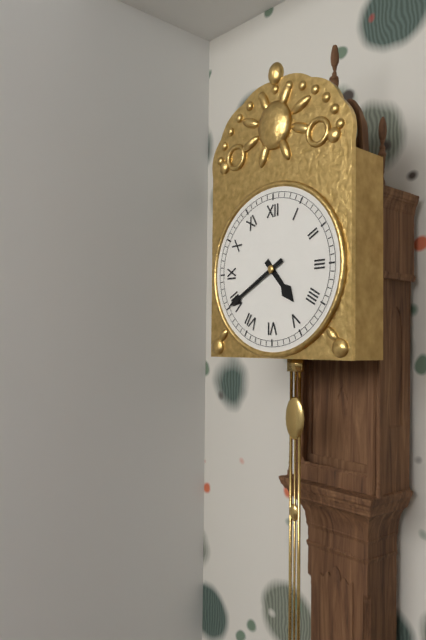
4:40
